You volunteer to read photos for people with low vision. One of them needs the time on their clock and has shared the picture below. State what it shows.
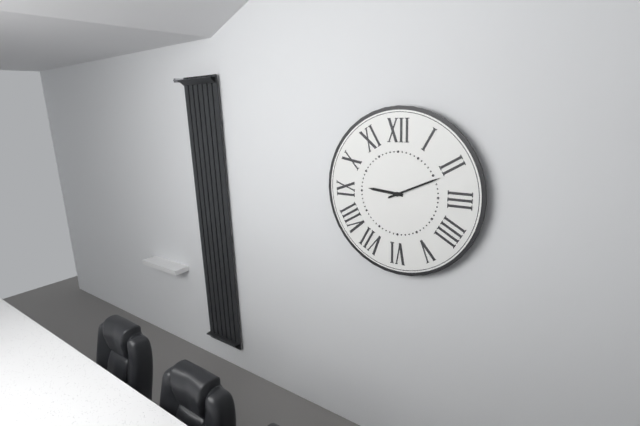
9:11
